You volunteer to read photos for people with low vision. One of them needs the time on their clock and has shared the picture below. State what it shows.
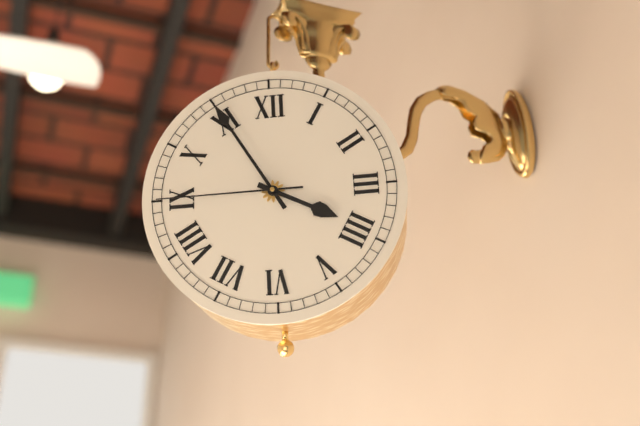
3:55:45
